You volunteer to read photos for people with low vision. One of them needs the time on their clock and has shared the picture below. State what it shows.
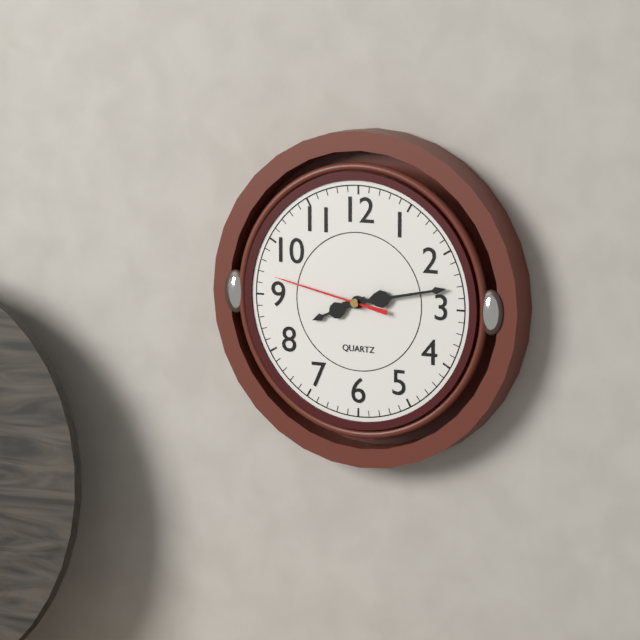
8:13:47
